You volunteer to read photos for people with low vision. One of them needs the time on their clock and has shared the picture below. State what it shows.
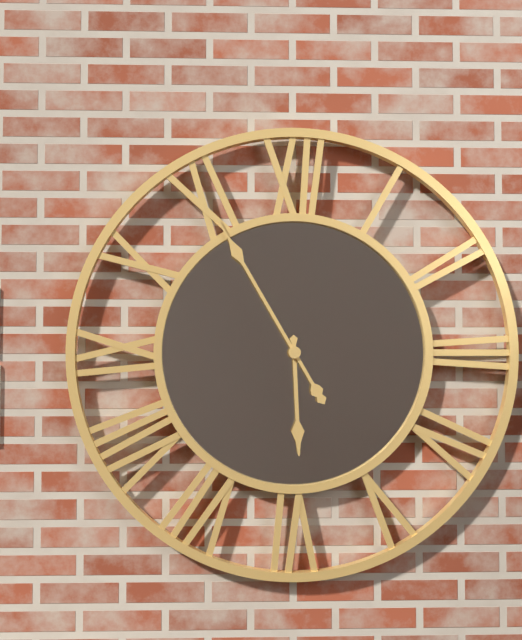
5:55
